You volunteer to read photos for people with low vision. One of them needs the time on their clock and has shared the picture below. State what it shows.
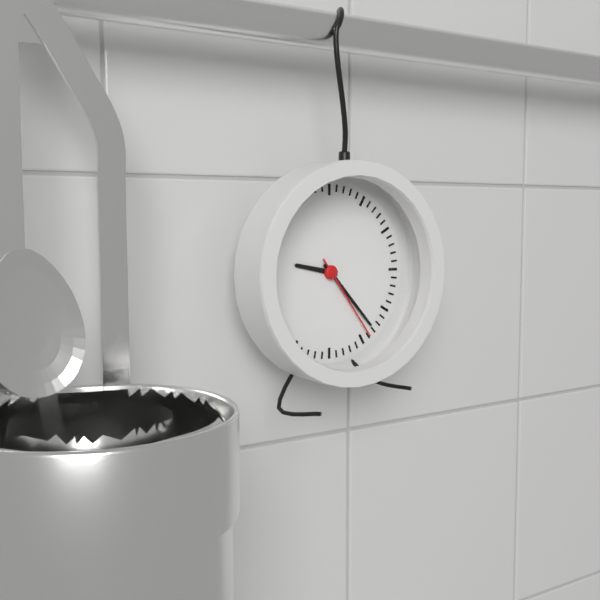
9:23:24
